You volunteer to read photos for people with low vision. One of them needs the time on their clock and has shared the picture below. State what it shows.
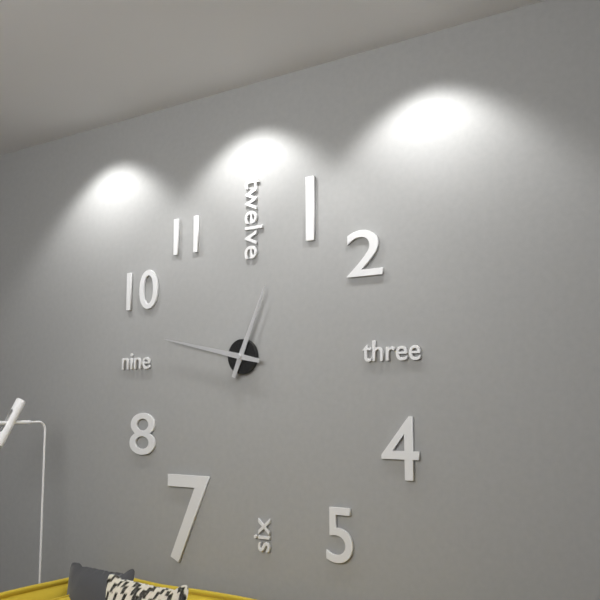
12:47
